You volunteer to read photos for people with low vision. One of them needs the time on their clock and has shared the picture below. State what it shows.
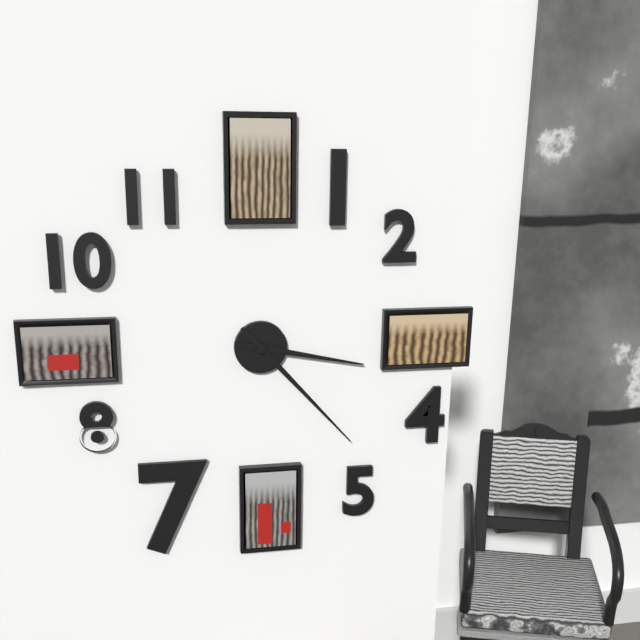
3:23
